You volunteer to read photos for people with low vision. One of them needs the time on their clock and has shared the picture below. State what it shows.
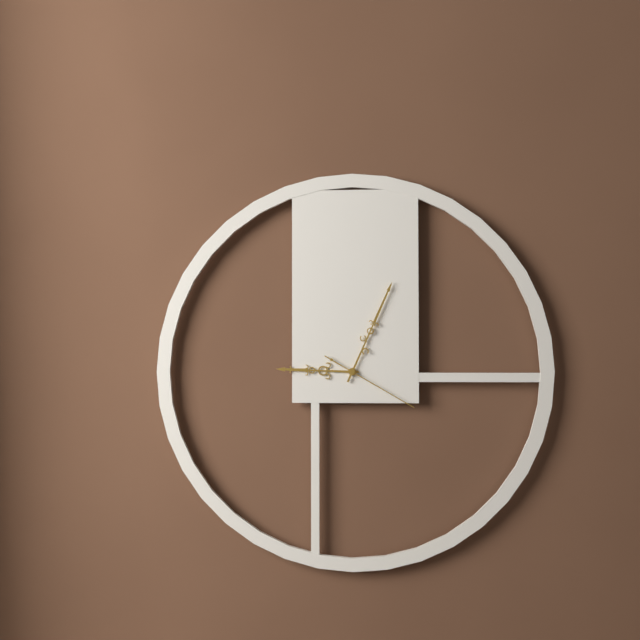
9:04:20
